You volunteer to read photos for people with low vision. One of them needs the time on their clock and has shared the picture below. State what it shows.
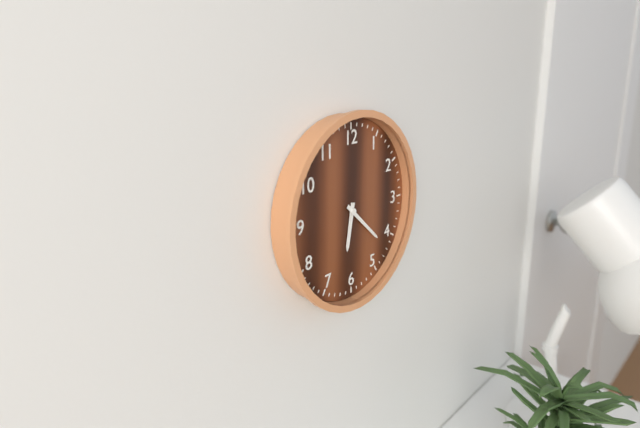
6:22
